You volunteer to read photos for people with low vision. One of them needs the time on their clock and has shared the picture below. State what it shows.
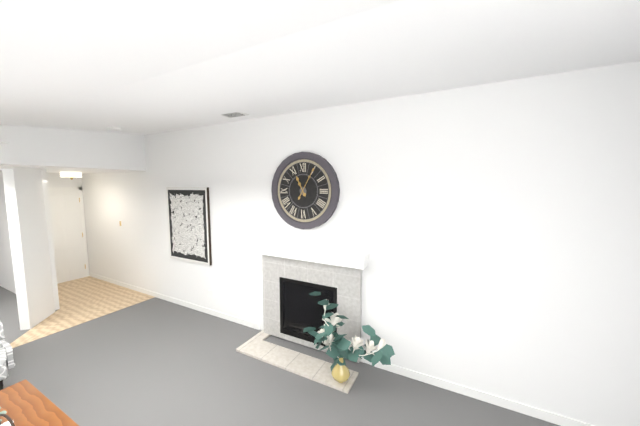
11:05
